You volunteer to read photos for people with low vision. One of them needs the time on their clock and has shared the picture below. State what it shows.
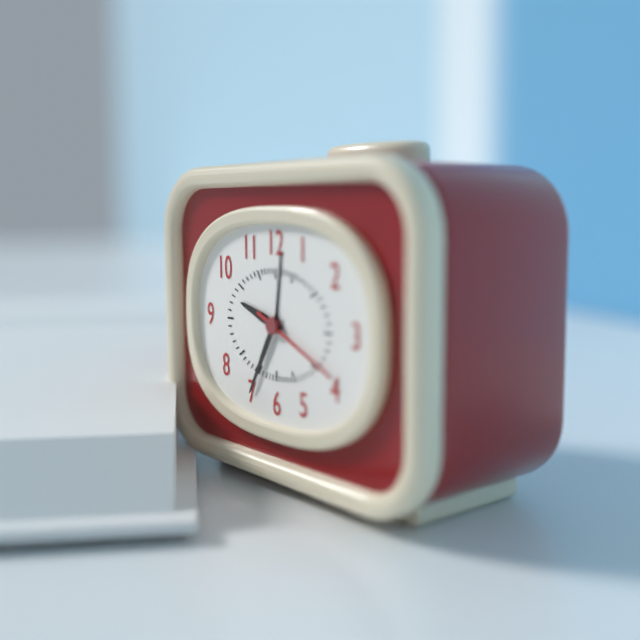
9:35:19
